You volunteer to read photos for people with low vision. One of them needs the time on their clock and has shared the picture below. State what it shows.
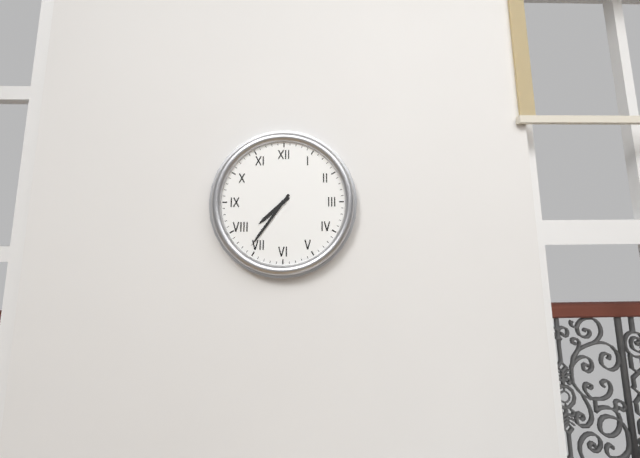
7:36
